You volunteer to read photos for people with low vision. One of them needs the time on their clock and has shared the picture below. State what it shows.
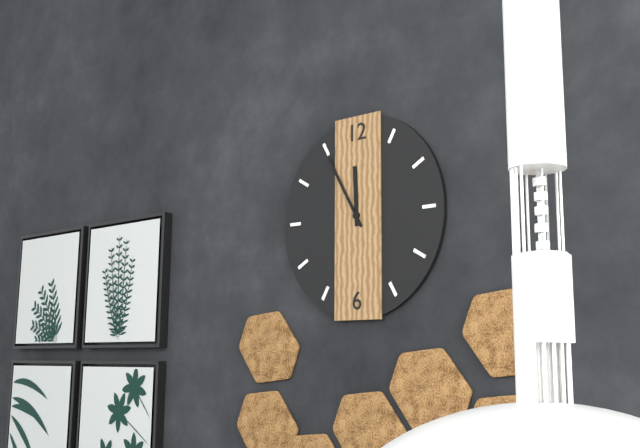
11:55
